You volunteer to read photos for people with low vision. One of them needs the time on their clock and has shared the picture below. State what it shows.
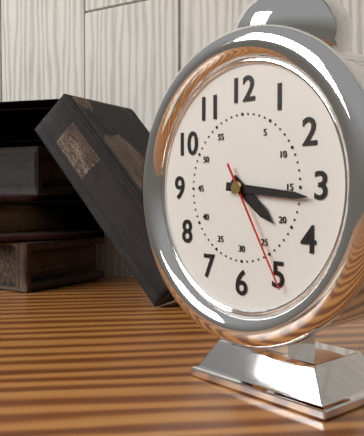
4:16:25
